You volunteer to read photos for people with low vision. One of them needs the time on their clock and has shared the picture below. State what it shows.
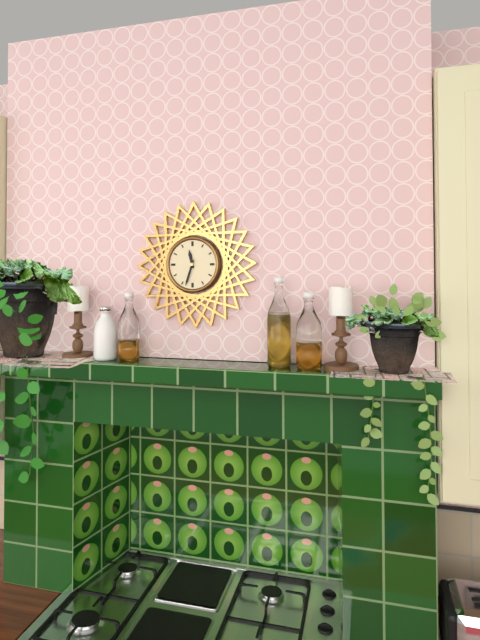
11:33
